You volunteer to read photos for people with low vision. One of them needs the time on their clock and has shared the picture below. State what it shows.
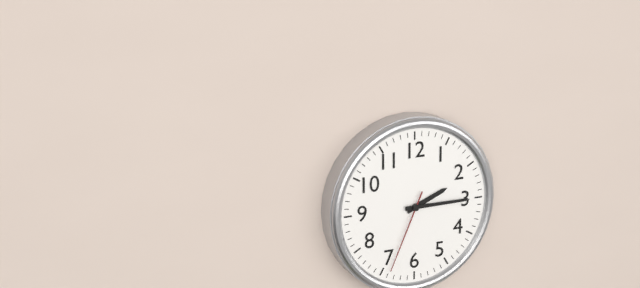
2:15:34
